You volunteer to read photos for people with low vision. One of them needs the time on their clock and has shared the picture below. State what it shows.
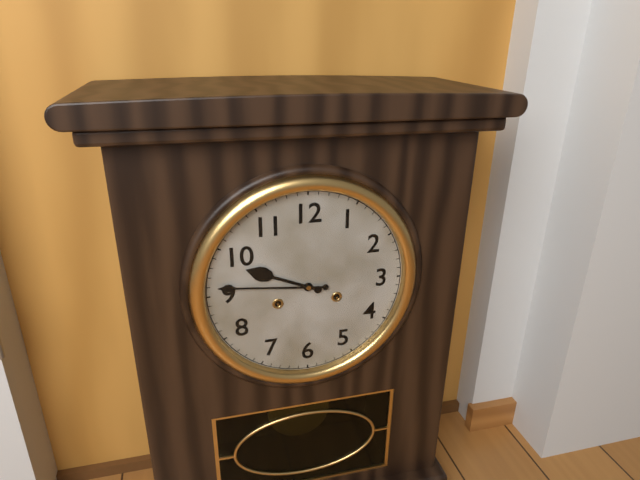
9:46
